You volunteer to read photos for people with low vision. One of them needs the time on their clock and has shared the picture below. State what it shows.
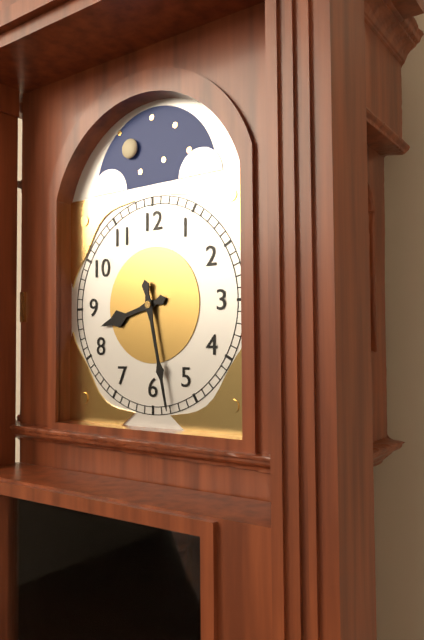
8:28
